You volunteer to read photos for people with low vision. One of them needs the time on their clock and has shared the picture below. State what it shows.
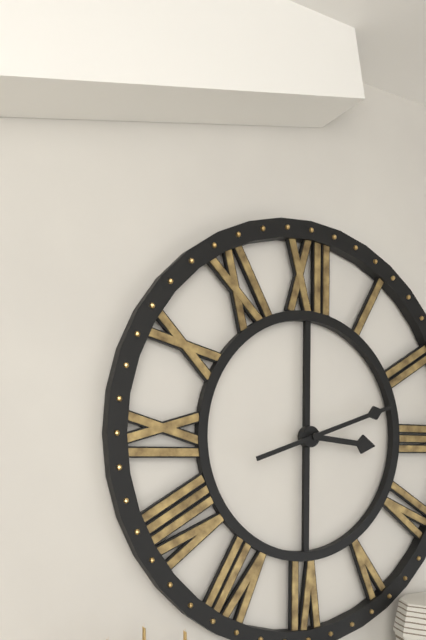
3:12
